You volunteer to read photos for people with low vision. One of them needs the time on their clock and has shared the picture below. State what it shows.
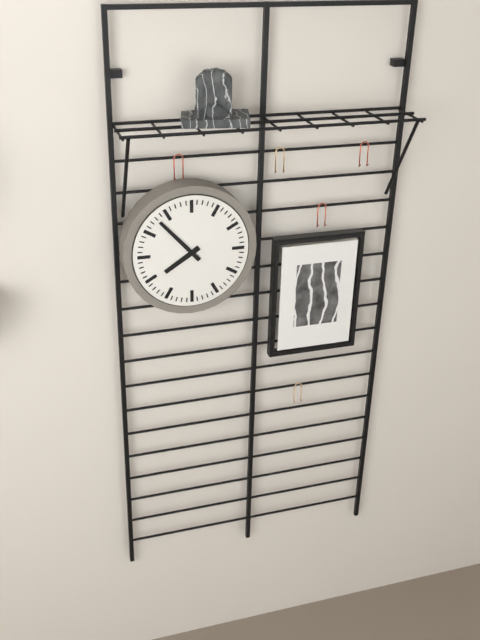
7:53
